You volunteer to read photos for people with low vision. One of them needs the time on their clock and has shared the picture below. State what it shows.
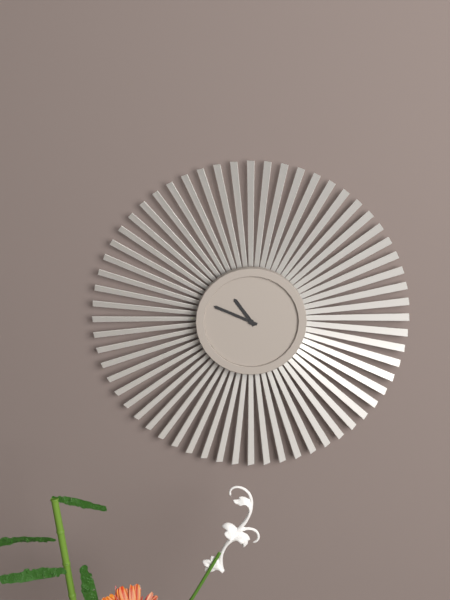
10:49
